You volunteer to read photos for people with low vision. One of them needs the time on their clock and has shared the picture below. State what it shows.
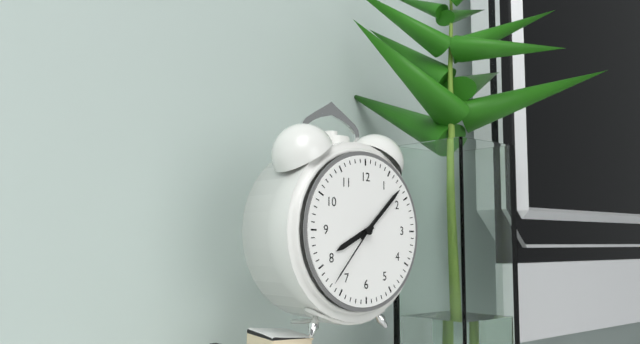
8:08:37
